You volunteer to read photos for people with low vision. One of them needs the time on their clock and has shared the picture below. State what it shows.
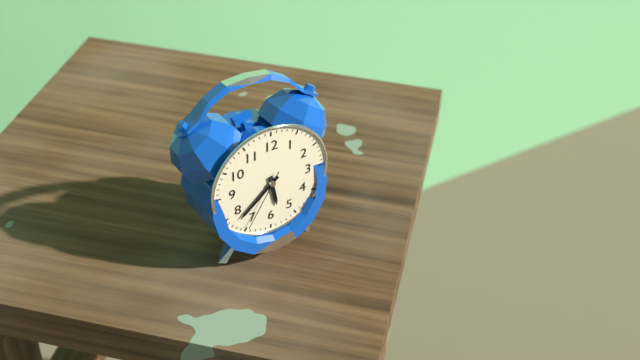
5:38:35
